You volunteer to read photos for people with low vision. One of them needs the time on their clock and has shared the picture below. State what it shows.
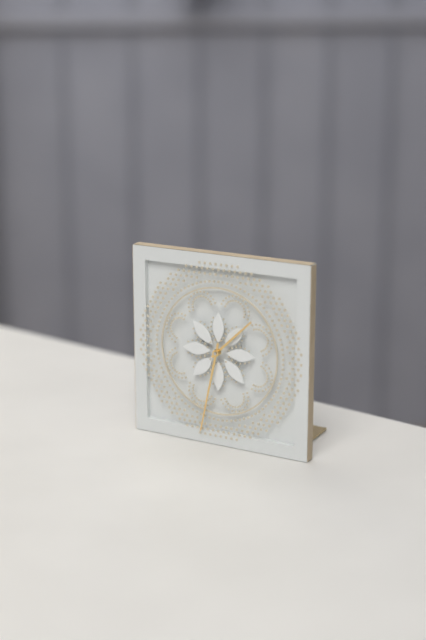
1:32
